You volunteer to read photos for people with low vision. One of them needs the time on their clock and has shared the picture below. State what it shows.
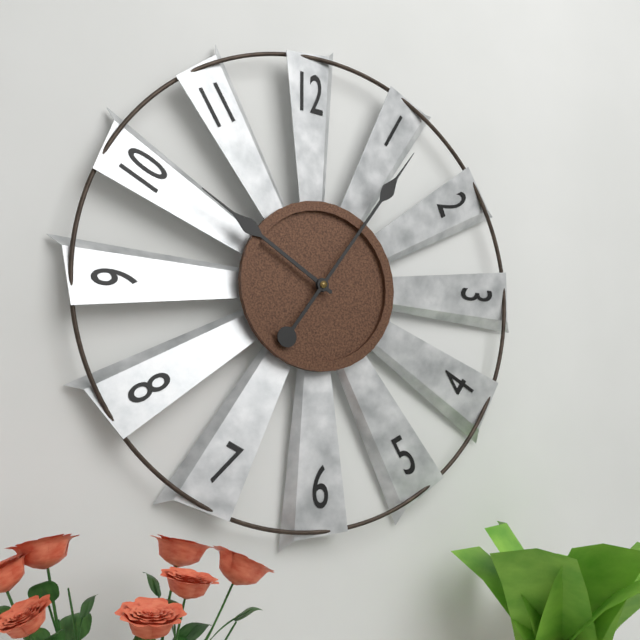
10:06
